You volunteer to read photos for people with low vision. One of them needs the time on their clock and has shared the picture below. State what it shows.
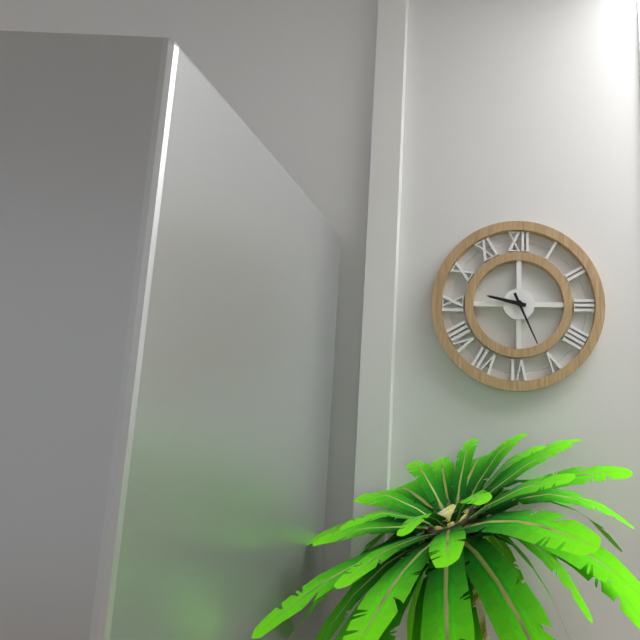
9:26
